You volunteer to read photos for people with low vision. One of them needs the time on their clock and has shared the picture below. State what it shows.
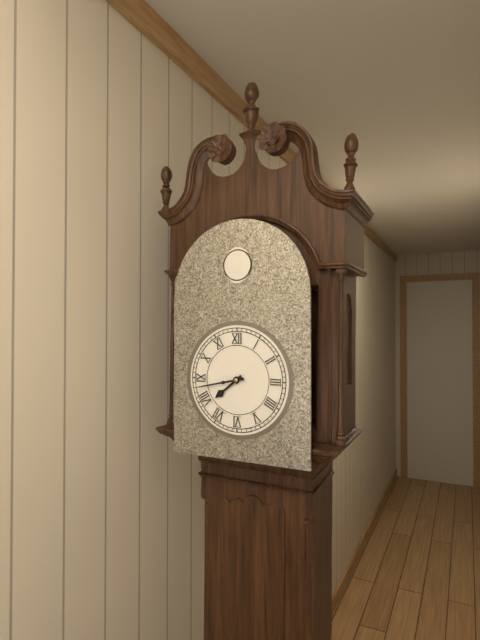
7:43
